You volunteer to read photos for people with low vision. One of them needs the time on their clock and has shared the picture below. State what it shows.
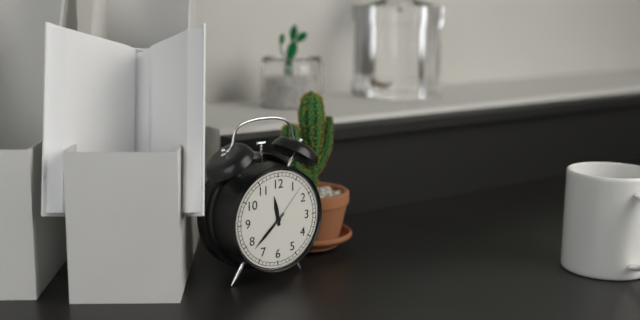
11:38
